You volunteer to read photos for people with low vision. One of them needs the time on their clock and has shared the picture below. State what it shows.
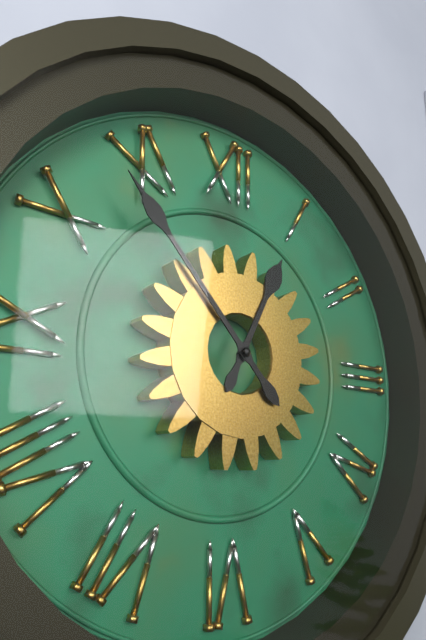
12:53
